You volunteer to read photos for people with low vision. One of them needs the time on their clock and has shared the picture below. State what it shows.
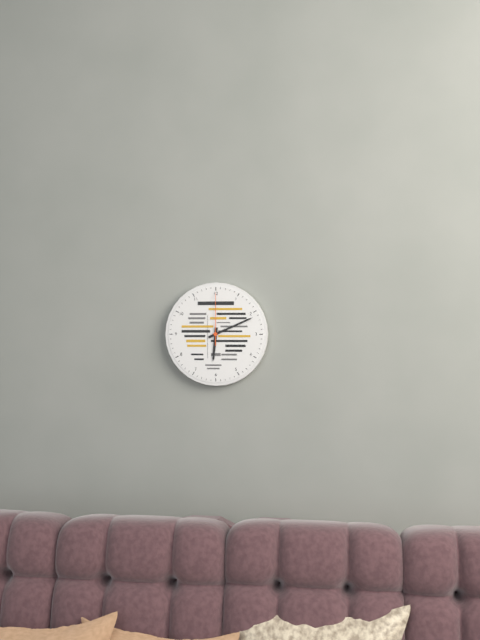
6:11:00
